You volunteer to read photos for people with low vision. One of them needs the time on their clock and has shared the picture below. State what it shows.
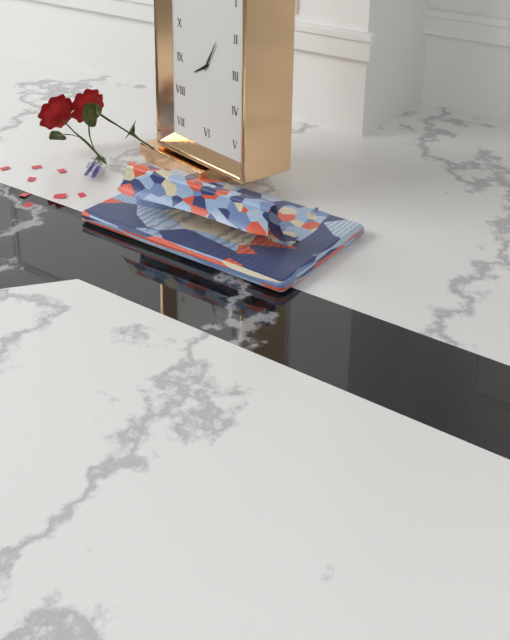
8:05
